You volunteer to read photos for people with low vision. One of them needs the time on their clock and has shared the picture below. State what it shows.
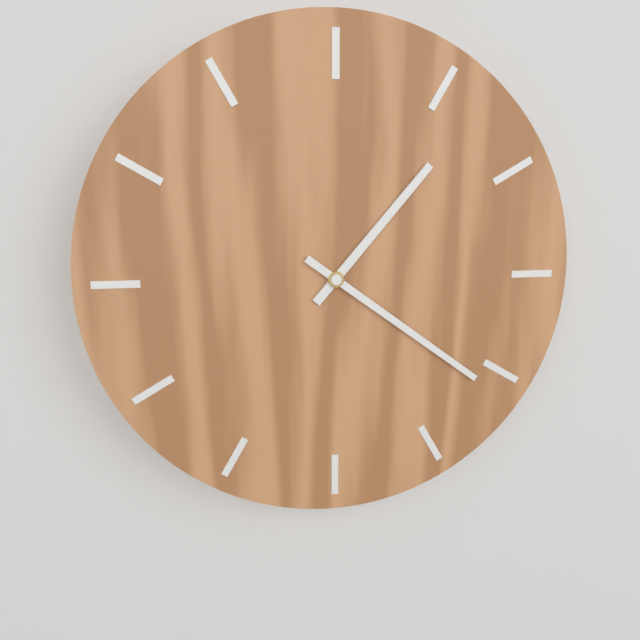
1:21
